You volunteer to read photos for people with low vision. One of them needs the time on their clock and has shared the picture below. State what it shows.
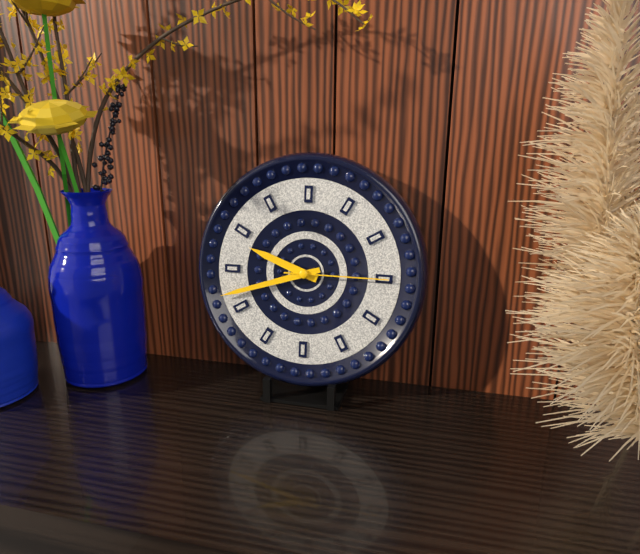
9:42:15
